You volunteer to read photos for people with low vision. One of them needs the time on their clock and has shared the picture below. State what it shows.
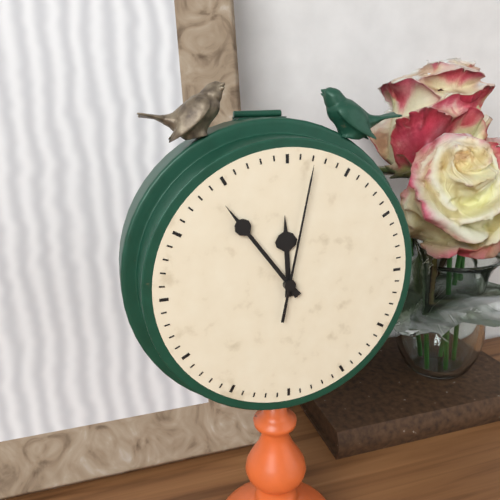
11:54:02
